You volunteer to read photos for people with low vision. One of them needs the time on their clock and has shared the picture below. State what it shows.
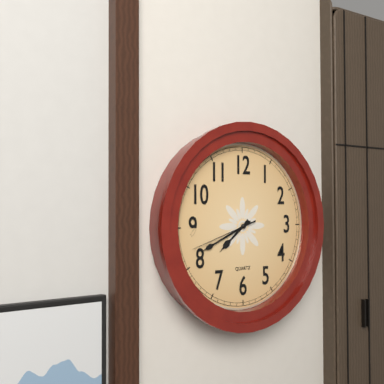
7:41:42
